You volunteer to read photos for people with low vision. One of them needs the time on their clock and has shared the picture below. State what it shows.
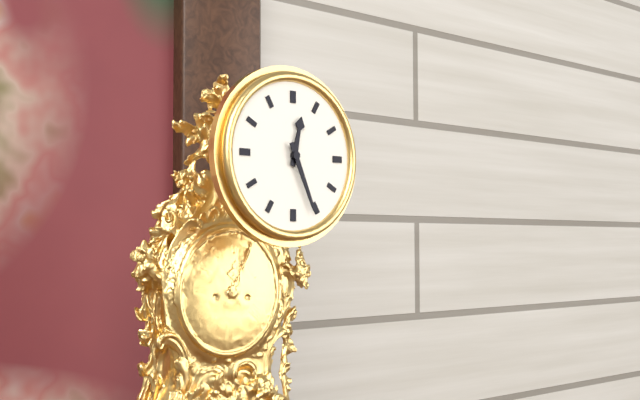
12:26
